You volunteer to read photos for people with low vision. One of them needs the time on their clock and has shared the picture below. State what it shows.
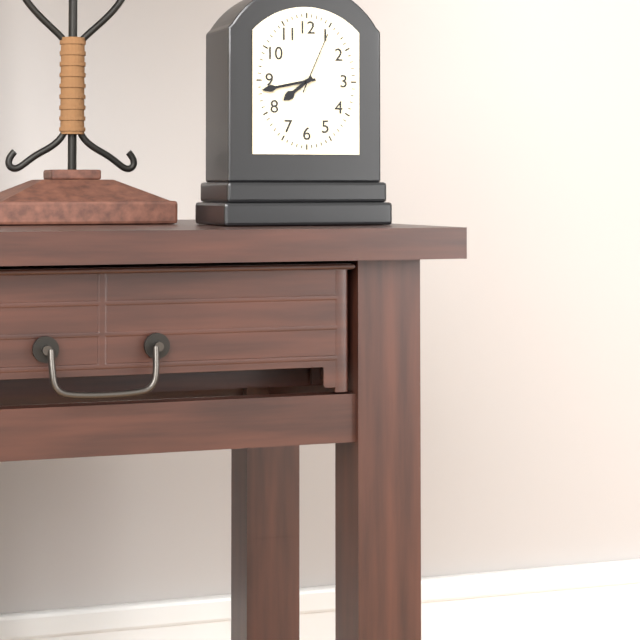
7:43:04
